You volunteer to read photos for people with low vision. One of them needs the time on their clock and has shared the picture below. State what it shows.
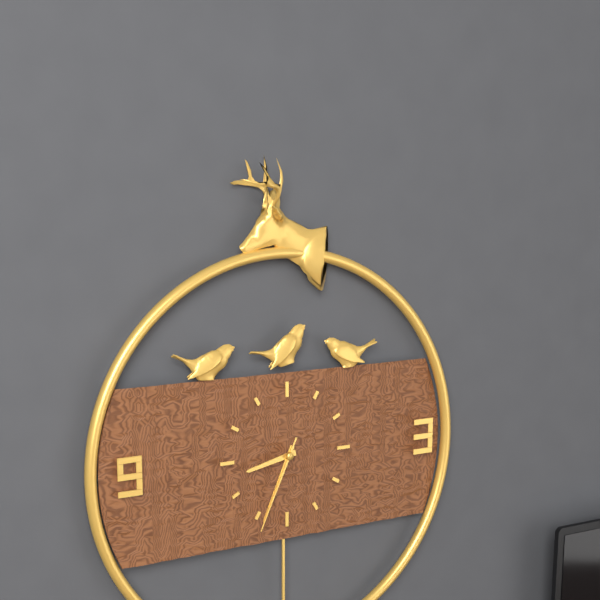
8:34:34
